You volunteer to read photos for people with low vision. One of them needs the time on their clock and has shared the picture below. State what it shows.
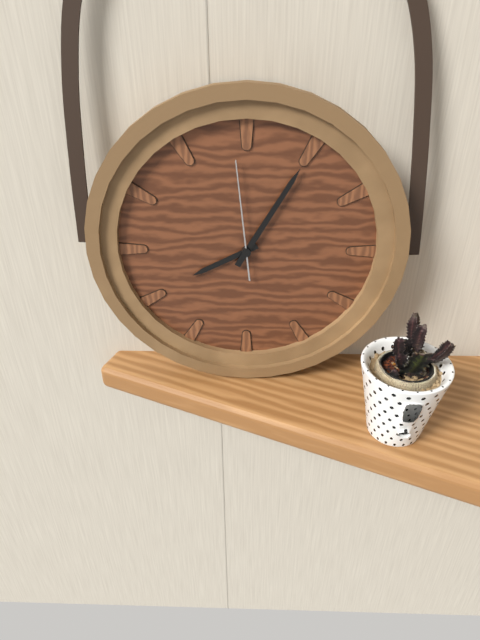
8:05:59
